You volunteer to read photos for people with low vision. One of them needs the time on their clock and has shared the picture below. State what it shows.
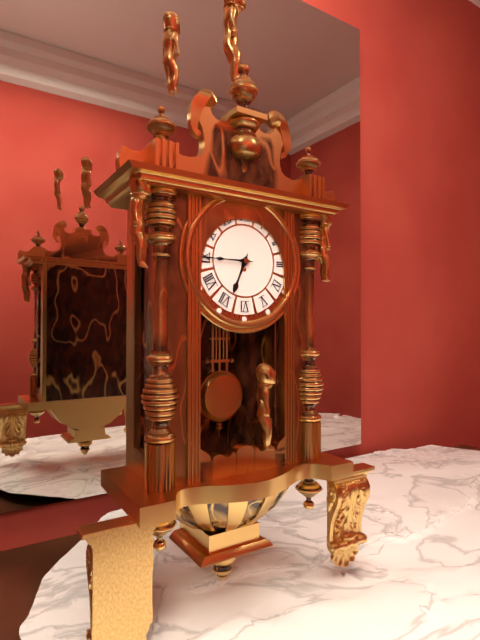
6:45
